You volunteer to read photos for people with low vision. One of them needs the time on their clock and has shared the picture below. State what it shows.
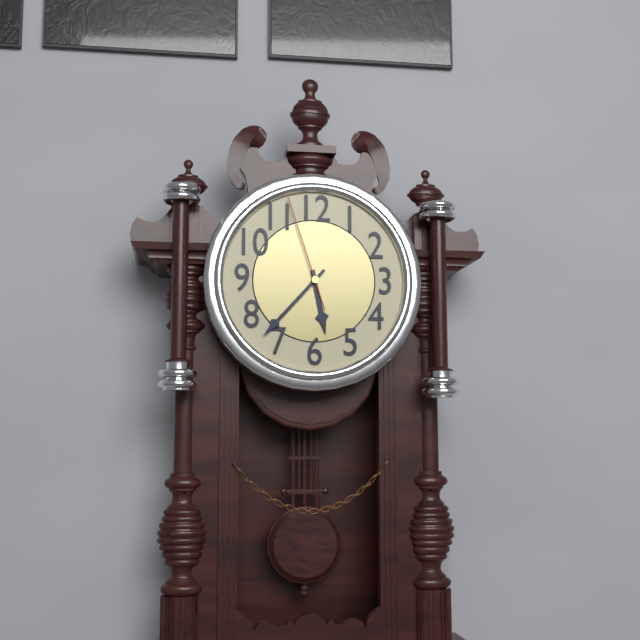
5:37:57
